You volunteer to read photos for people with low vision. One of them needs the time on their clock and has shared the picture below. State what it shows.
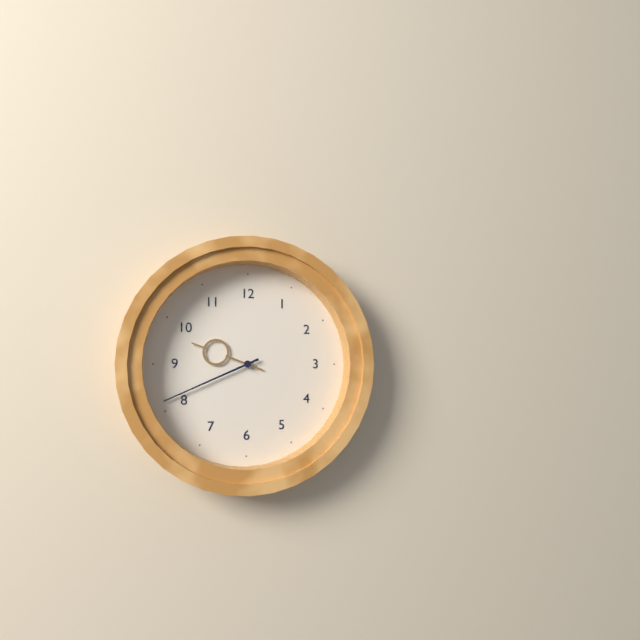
9:41
